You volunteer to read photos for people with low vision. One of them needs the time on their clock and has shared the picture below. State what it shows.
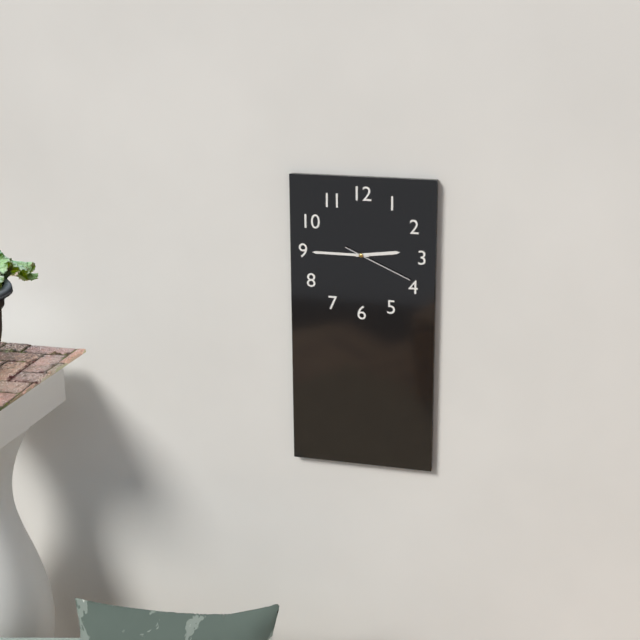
2:45:19
